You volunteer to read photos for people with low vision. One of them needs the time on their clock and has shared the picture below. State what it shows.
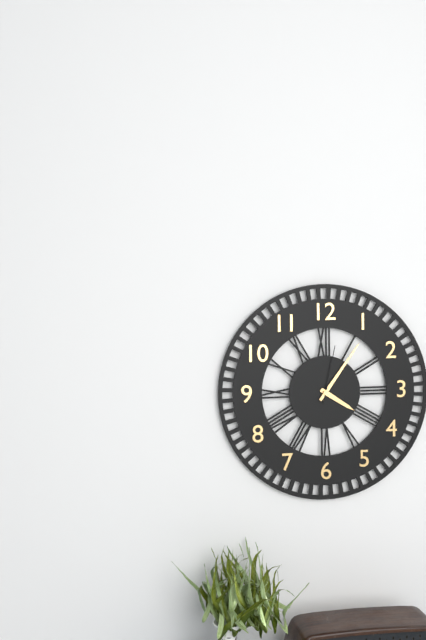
4:06:02
